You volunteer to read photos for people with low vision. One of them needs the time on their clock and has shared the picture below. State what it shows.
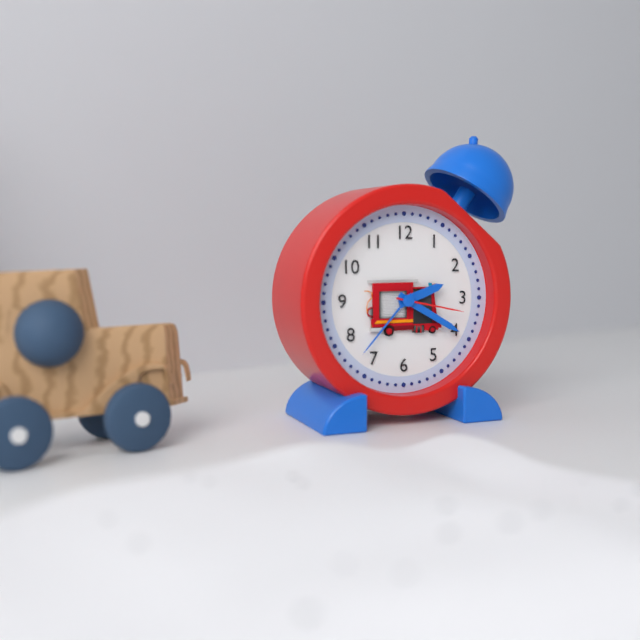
2:20:17
